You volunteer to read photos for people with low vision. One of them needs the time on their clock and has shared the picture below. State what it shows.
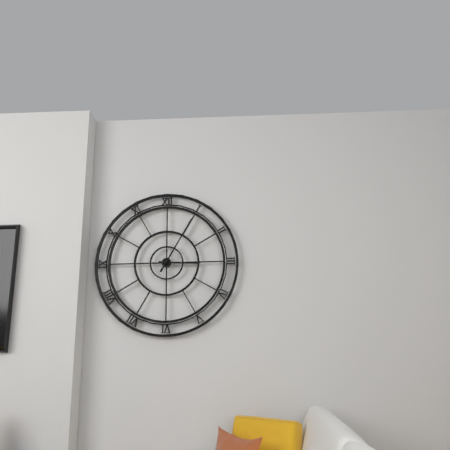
3:05
